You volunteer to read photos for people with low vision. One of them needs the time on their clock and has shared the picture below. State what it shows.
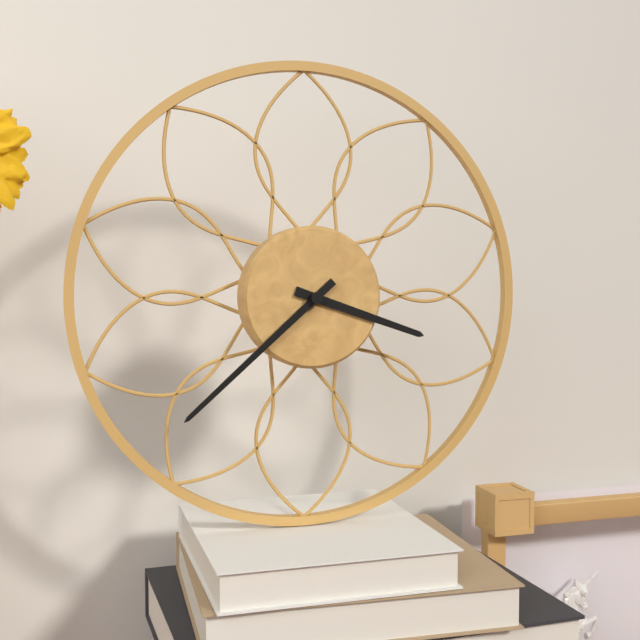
3:38
